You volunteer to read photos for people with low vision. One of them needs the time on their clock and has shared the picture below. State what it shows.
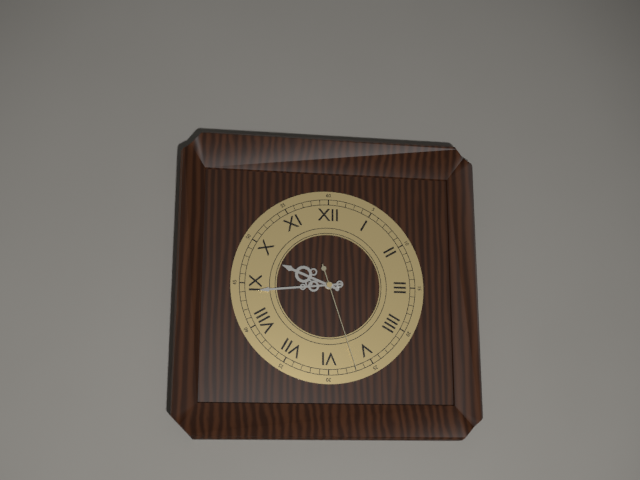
9:44:27
